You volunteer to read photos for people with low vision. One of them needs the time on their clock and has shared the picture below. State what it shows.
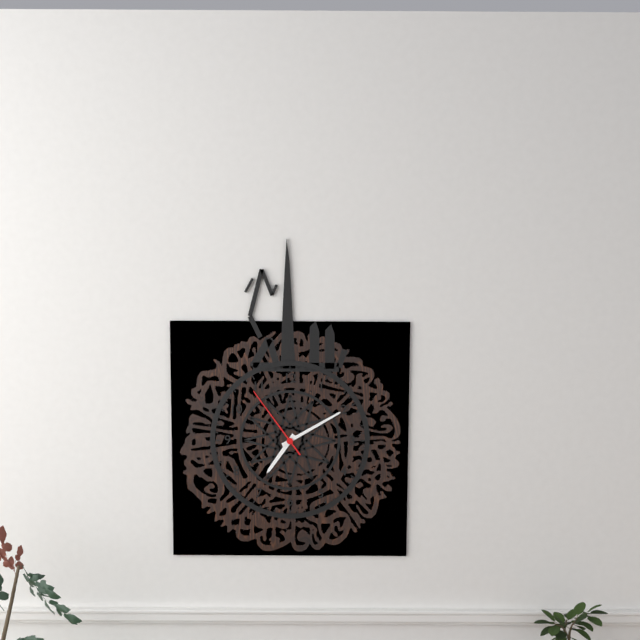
7:10:54
